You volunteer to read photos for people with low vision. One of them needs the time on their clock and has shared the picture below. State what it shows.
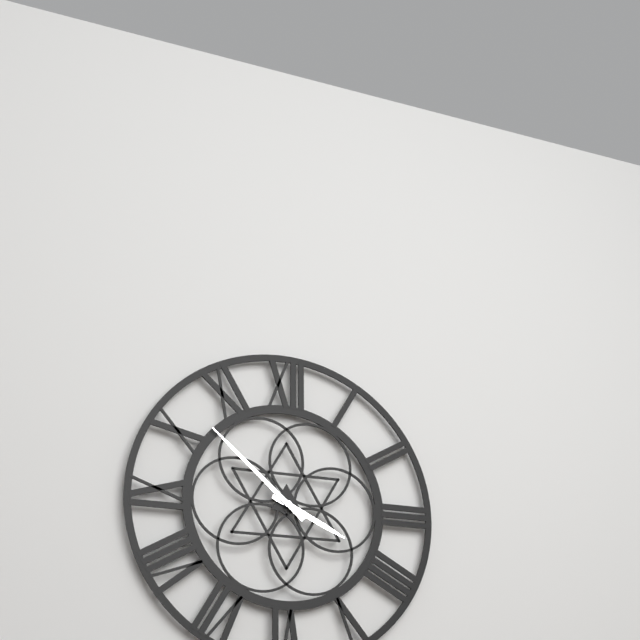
3:52
